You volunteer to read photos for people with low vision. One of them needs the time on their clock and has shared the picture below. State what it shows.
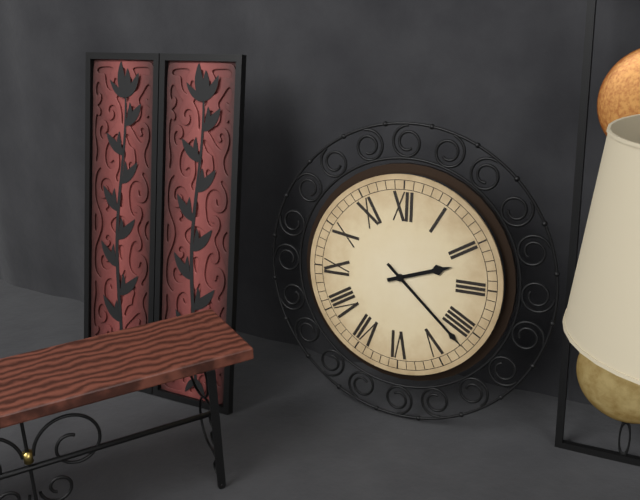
2:22
